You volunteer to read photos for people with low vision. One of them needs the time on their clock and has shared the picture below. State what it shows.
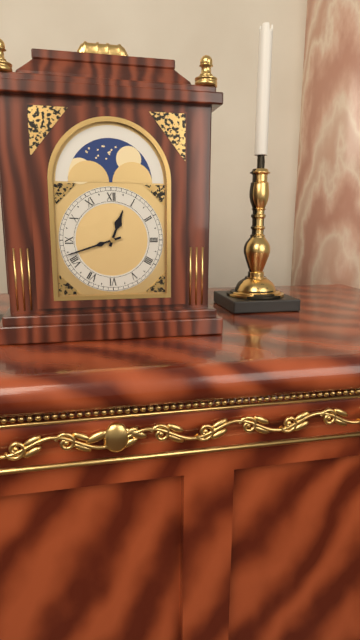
12:42
